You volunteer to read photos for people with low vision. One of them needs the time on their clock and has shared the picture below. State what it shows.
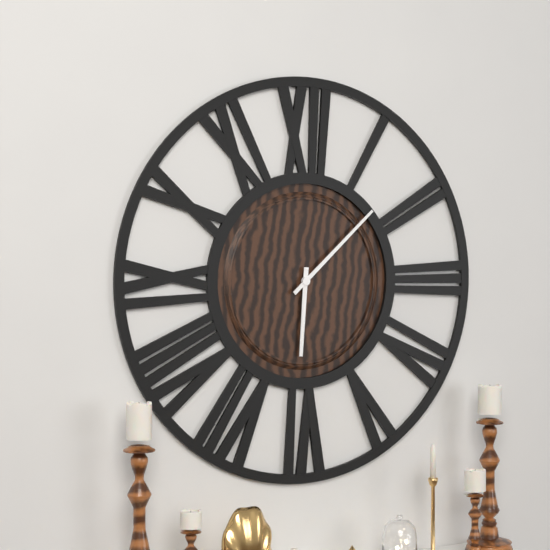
6:08
